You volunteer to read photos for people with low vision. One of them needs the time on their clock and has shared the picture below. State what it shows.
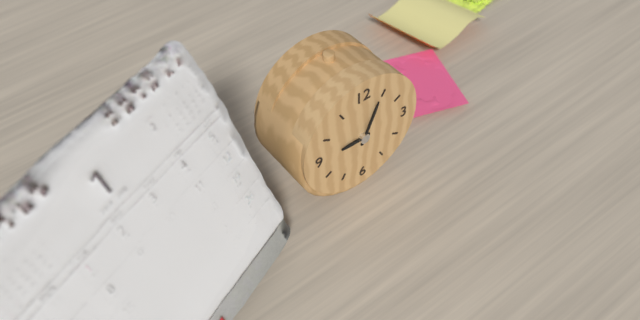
9:04
